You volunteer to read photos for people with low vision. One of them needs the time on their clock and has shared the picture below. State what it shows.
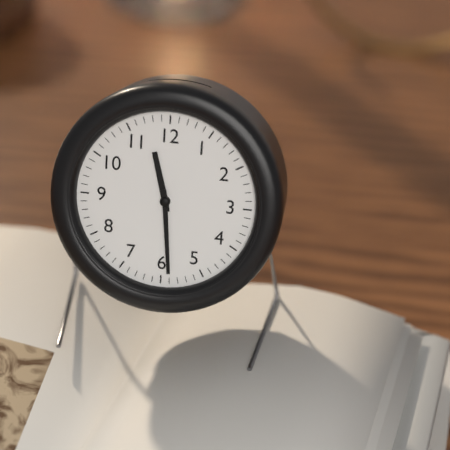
11:29
